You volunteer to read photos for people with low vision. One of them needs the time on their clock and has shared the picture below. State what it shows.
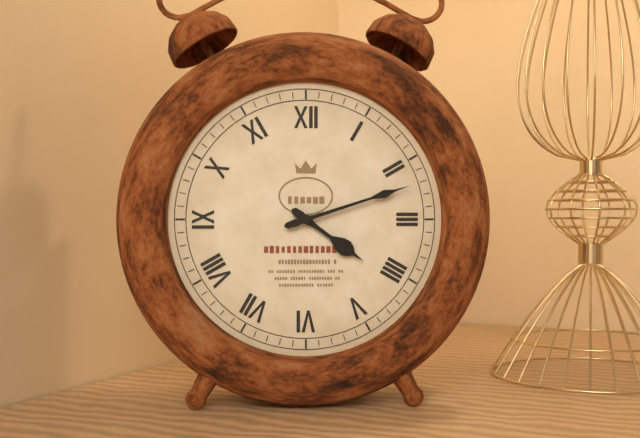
4:12
